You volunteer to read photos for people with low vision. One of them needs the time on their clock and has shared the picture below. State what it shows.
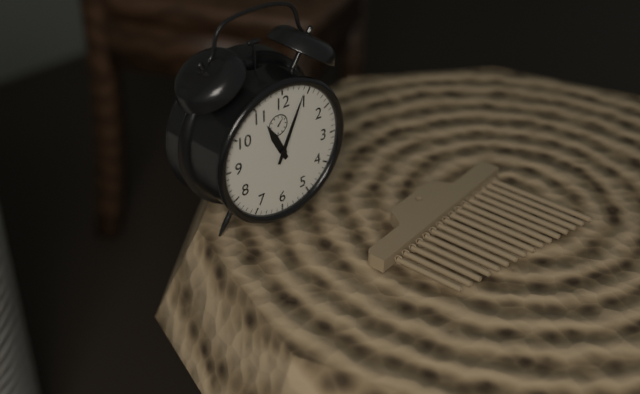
11:04
